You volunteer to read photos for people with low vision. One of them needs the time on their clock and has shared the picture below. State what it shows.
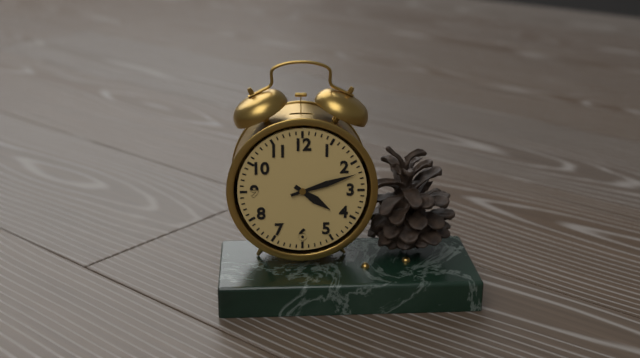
4:12
